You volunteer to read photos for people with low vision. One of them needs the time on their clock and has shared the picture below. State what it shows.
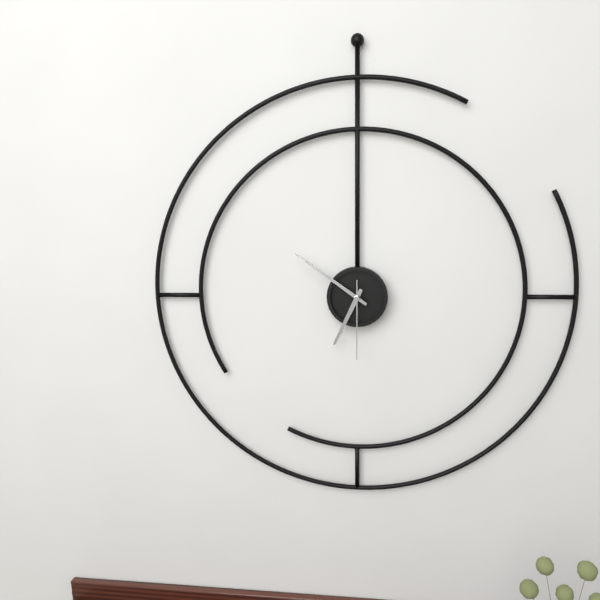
6:51:30
